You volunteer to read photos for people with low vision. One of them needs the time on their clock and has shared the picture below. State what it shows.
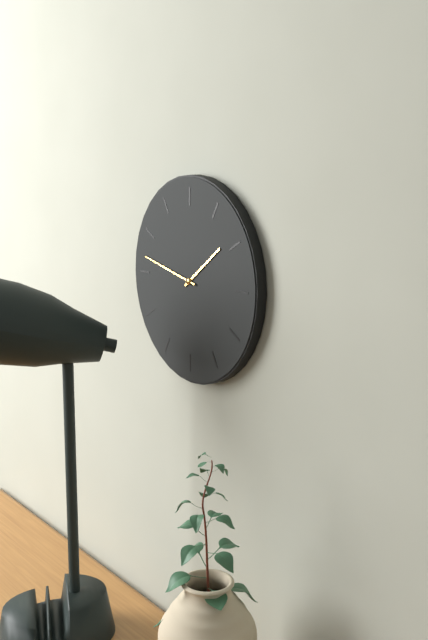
1:47
